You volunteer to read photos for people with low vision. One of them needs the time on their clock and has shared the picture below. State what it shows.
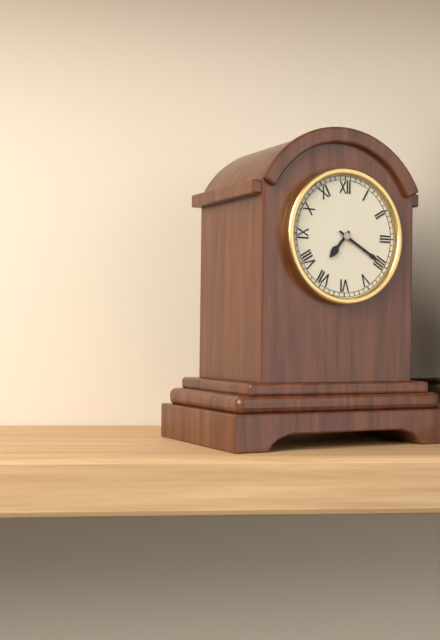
7:20
